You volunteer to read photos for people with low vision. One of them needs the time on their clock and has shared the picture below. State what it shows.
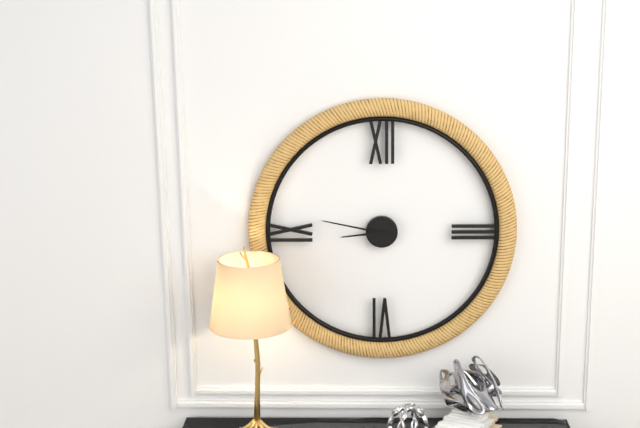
8:47
